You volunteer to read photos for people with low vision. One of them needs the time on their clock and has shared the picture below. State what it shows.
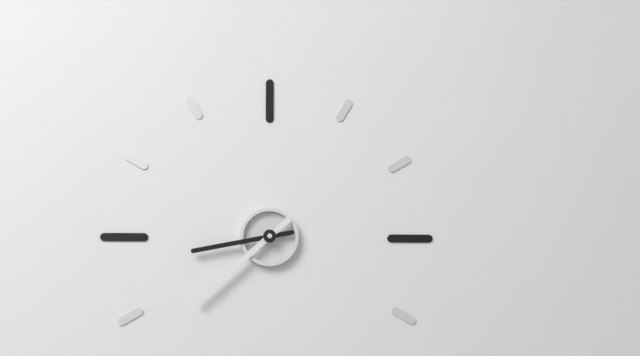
8:38
